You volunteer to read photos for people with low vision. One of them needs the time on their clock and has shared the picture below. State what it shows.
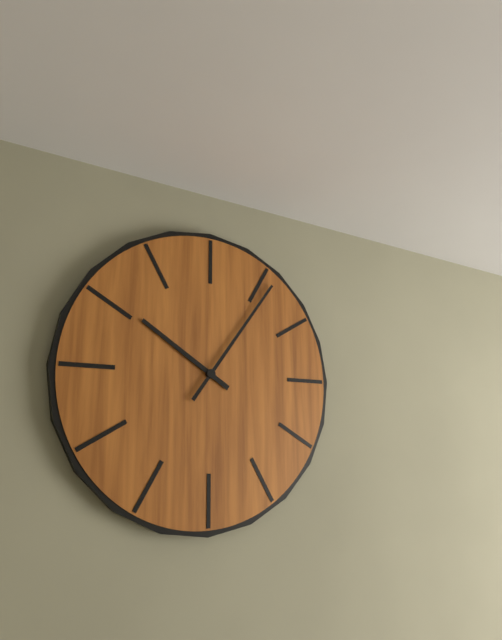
10:06
